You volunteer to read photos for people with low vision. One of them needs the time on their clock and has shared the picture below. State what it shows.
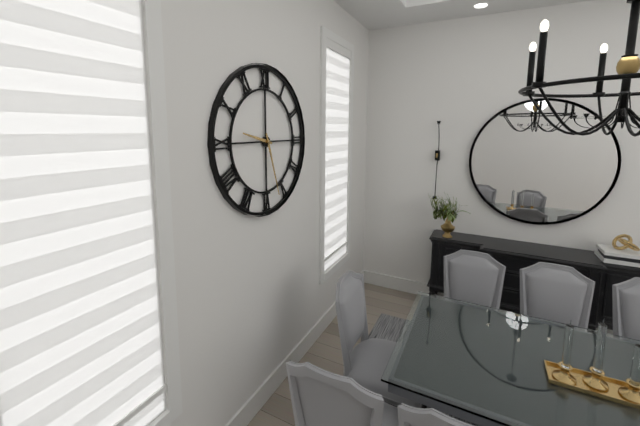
9:27
